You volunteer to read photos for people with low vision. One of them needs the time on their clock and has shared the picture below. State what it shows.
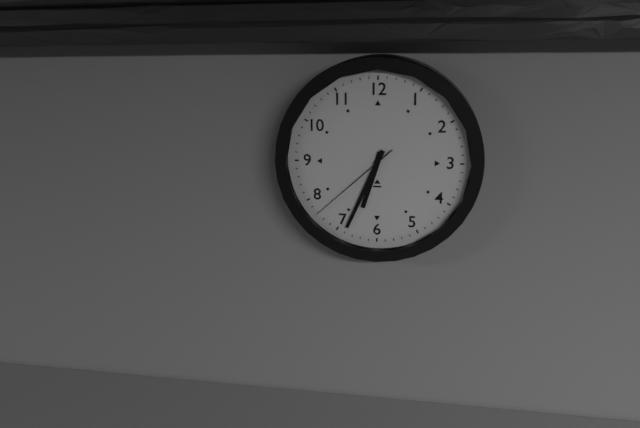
6:34:38
